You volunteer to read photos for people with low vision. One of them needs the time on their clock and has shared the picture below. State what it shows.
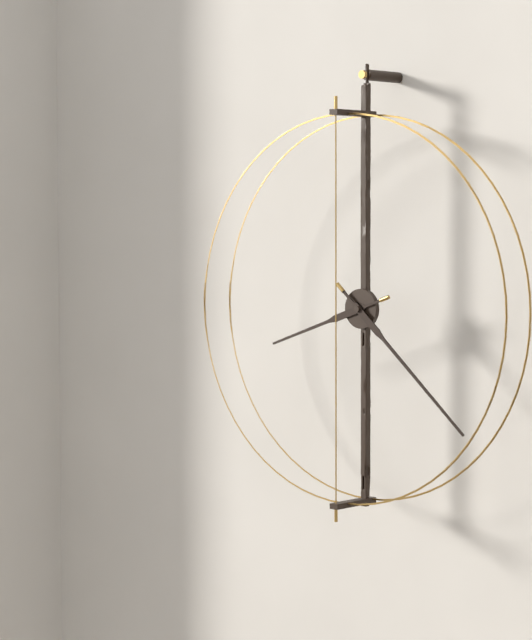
8:22
